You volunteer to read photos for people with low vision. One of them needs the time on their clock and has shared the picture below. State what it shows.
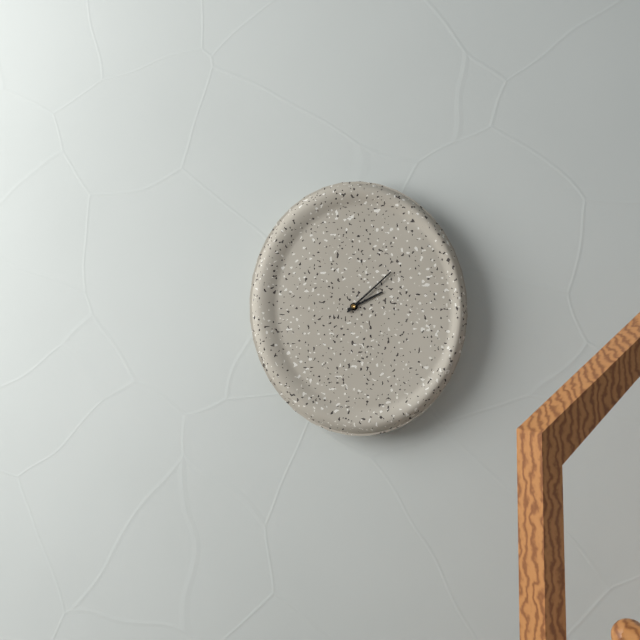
2:08
